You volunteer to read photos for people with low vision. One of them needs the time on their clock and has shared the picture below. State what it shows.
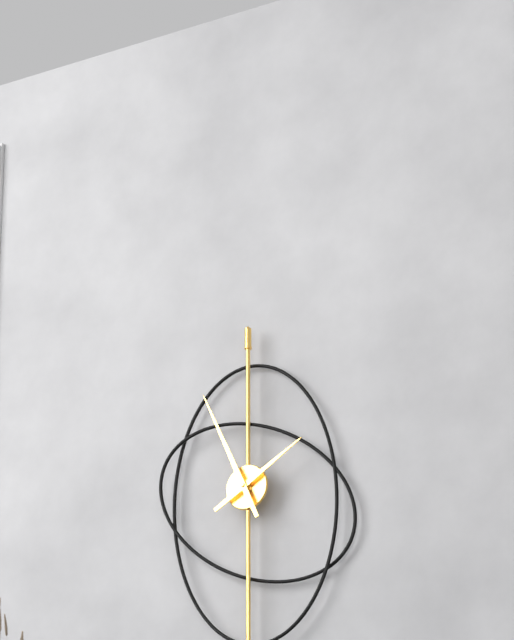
1:56
